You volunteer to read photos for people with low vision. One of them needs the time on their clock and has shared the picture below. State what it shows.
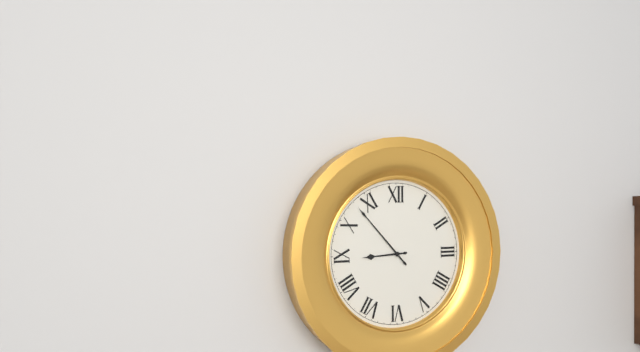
8:53
